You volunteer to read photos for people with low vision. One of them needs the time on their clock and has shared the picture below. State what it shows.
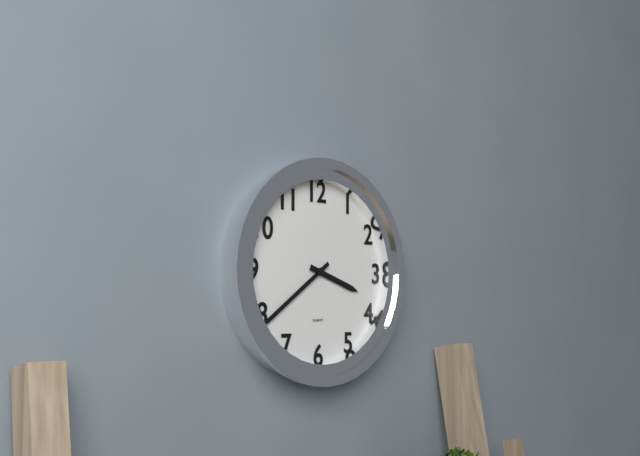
3:39
